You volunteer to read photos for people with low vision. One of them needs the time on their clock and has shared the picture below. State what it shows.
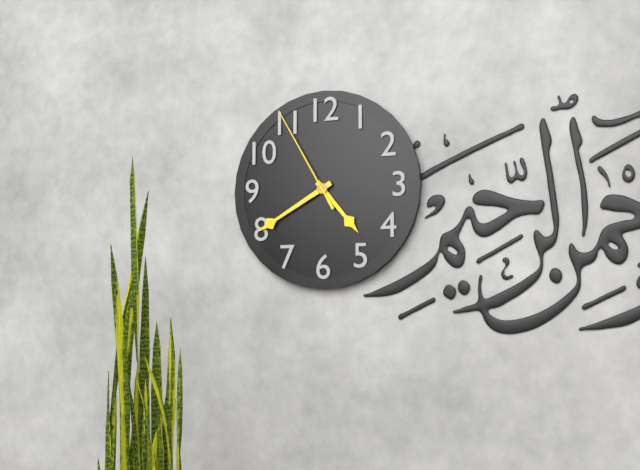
4:40:55
